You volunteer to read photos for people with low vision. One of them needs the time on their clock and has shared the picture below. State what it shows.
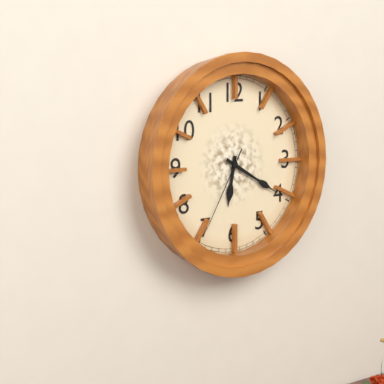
6:20:35
